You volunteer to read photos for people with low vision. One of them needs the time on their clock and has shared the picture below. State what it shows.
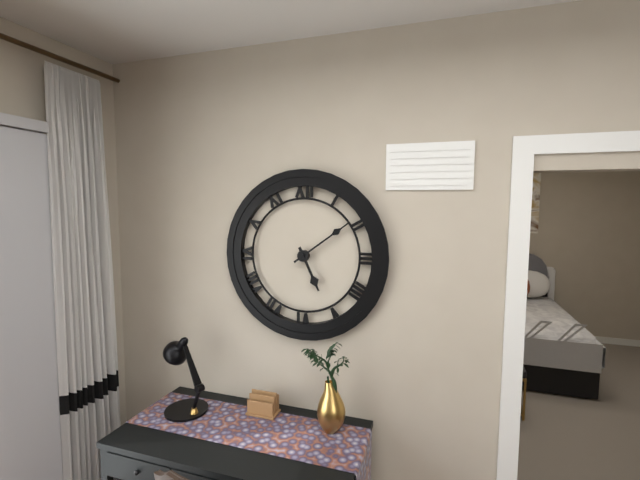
5:09
